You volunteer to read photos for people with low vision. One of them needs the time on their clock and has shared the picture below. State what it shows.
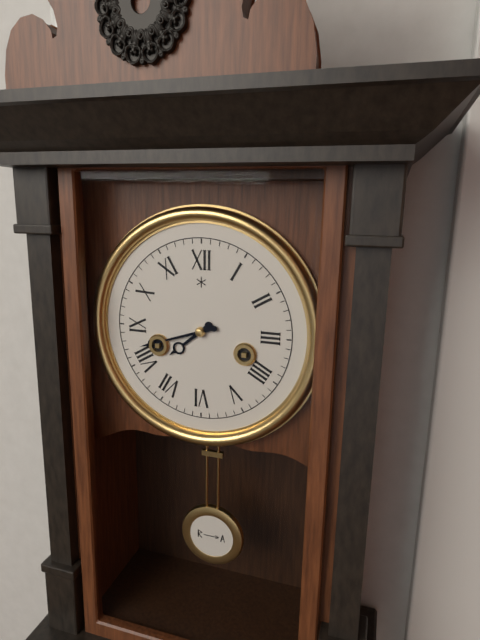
7:42
